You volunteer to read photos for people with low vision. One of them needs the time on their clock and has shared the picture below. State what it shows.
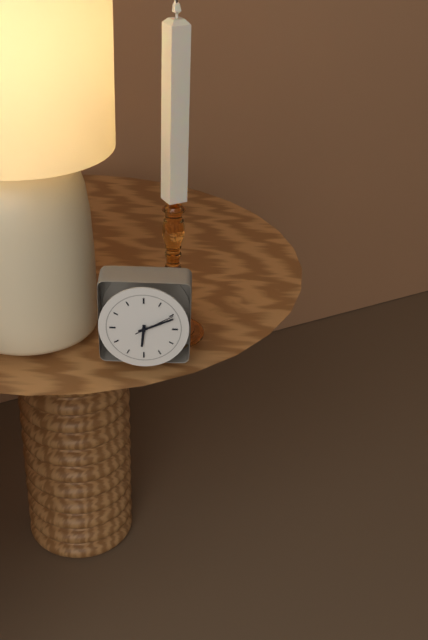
6:11
